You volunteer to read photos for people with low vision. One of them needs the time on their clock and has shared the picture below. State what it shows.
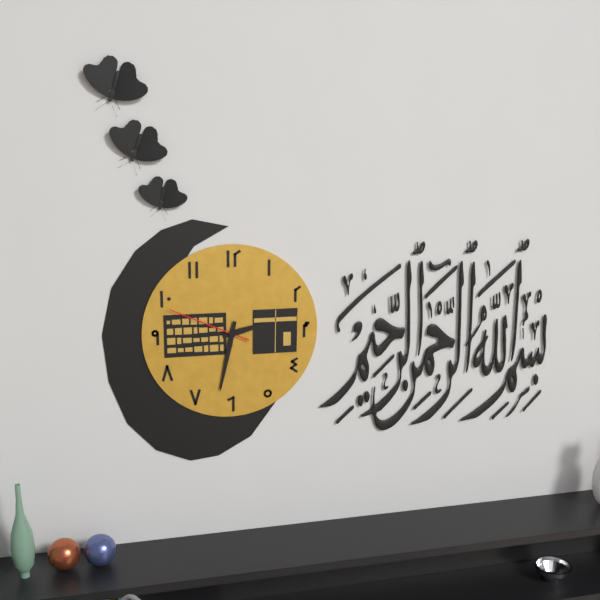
2:32:49
